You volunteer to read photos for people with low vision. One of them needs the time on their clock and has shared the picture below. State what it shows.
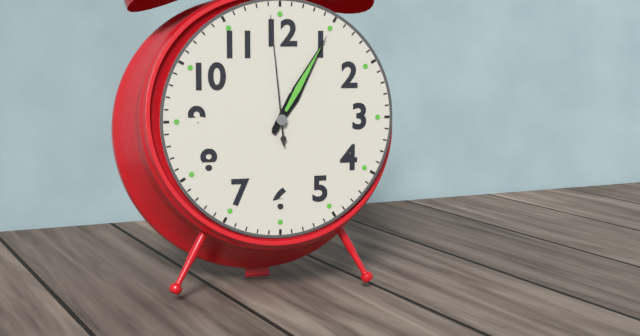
1:05:59
